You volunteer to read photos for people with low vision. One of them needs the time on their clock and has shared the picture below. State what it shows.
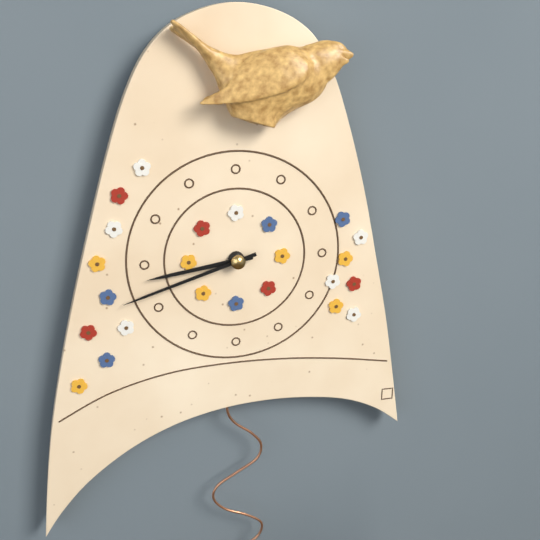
8:42
